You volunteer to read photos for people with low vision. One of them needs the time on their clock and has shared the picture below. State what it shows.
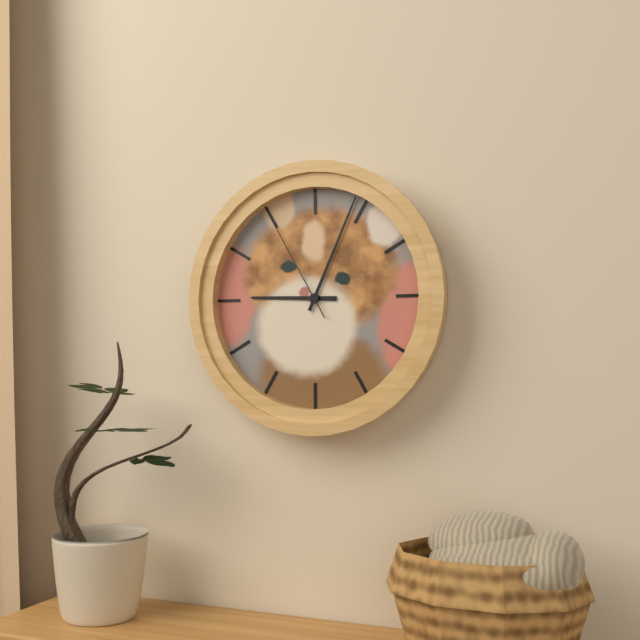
9:04:55
